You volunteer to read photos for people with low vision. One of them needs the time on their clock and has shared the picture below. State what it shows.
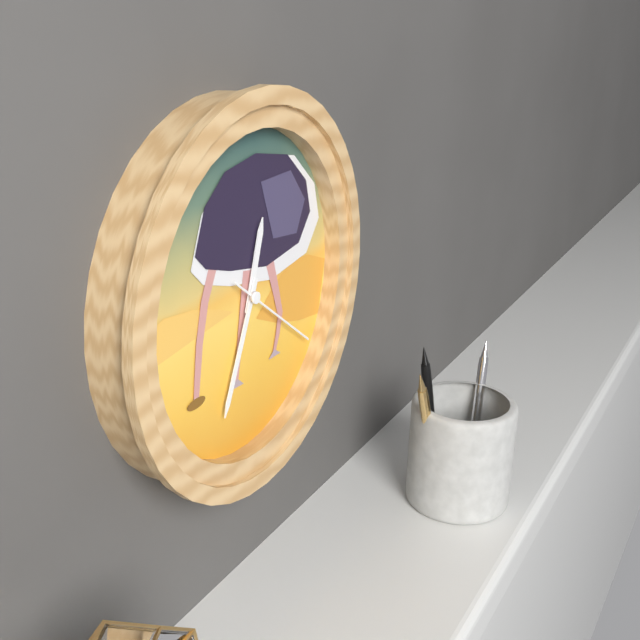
12:34:21
